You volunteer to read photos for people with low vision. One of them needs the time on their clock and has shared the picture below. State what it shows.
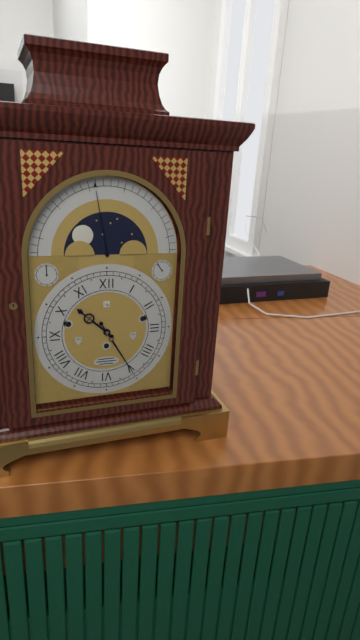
10:25
